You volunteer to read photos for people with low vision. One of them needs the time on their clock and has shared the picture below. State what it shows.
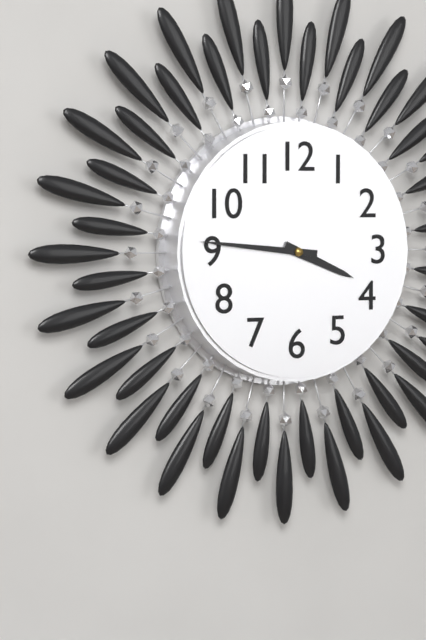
3:46
